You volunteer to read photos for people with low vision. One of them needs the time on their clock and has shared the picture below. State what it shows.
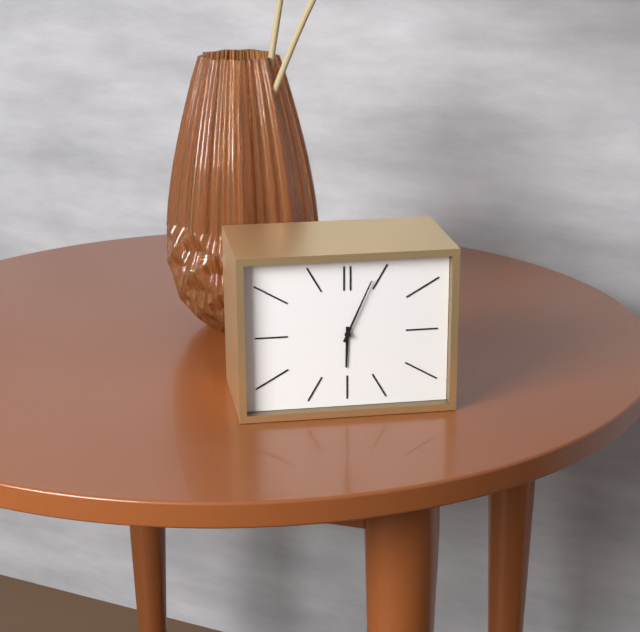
6:04
